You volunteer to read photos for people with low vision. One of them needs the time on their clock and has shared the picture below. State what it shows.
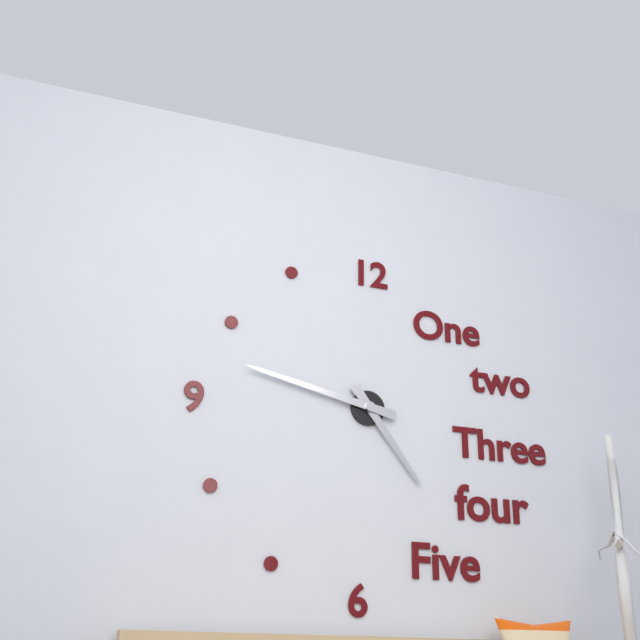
4:47
